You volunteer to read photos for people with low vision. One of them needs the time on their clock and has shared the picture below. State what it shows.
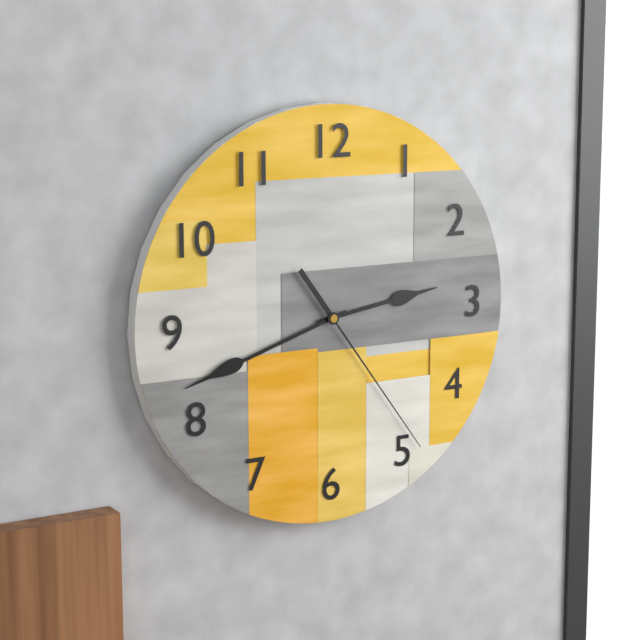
2:42:24
